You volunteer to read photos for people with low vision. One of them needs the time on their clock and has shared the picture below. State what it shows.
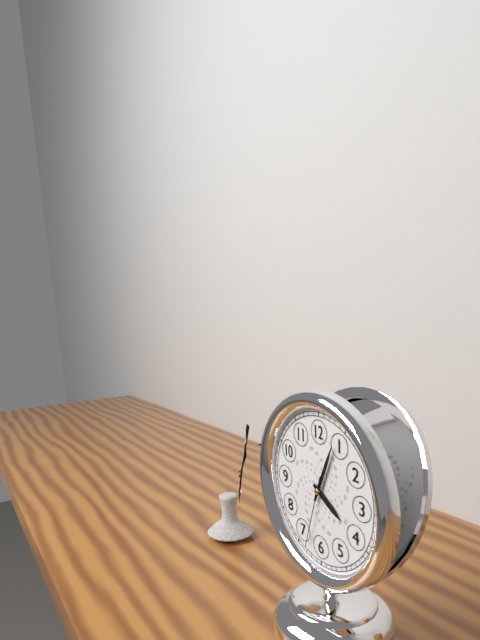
4:04:33
